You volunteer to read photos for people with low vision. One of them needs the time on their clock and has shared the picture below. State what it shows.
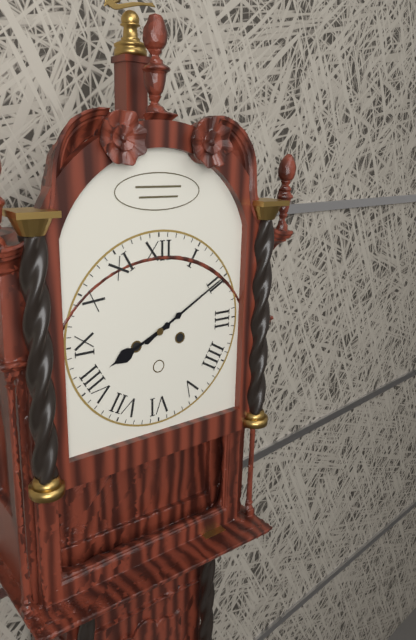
8:10
